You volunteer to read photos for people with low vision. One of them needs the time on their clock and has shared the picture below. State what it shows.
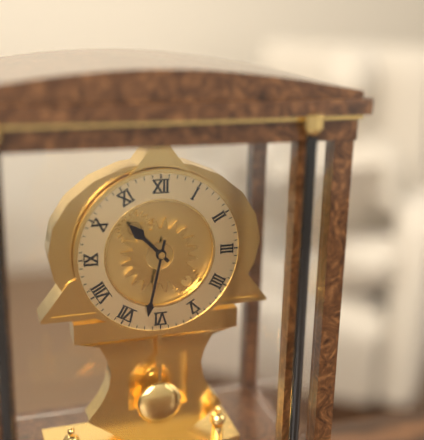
10:32
